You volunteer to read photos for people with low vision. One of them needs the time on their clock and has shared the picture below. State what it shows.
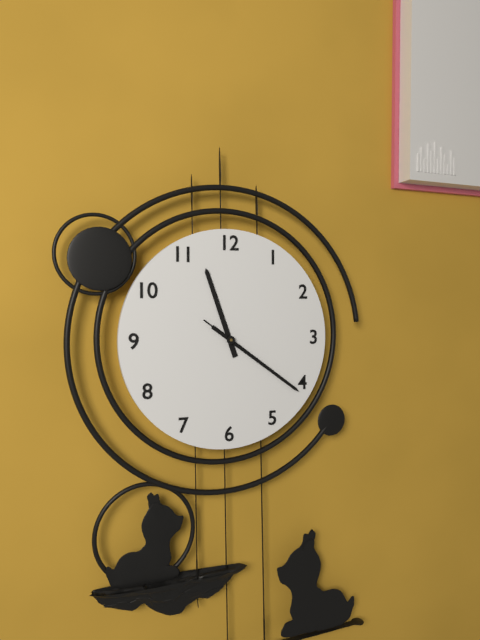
11:21:21
